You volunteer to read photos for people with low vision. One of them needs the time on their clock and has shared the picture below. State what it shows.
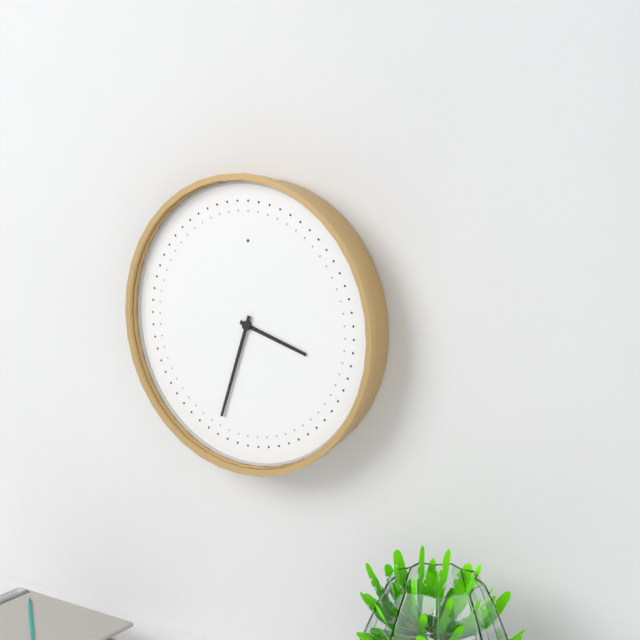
3:33
